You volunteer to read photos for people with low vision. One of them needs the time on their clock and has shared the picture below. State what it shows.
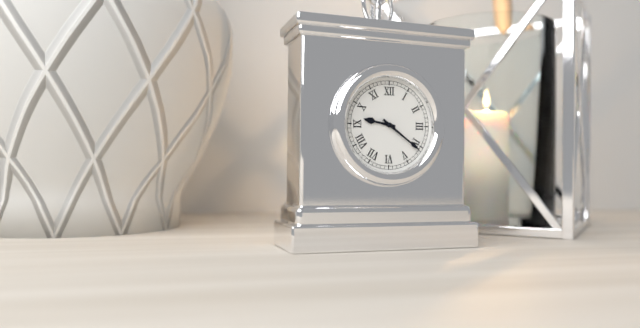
9:21
